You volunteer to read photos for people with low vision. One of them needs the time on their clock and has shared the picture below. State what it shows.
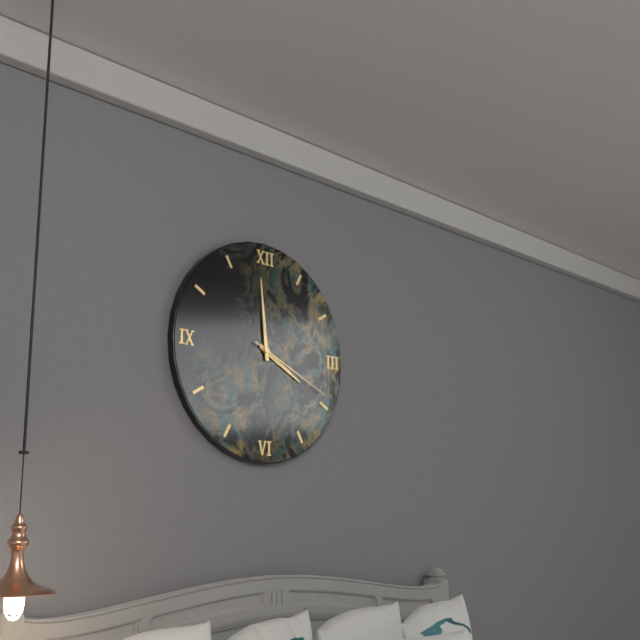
3:59:19
